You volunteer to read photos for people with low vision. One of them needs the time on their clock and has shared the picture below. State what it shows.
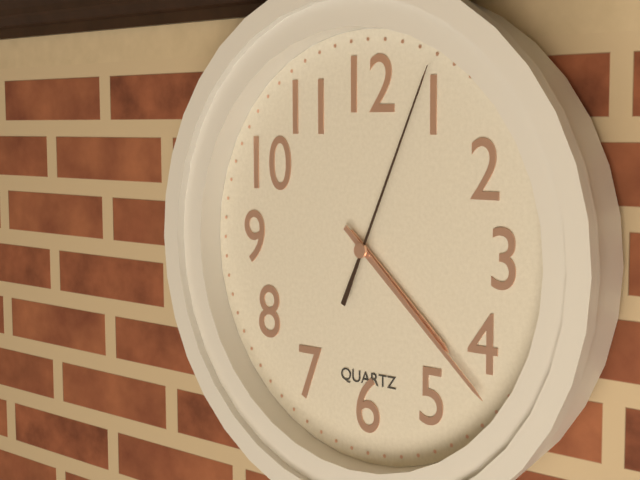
4:22:04
